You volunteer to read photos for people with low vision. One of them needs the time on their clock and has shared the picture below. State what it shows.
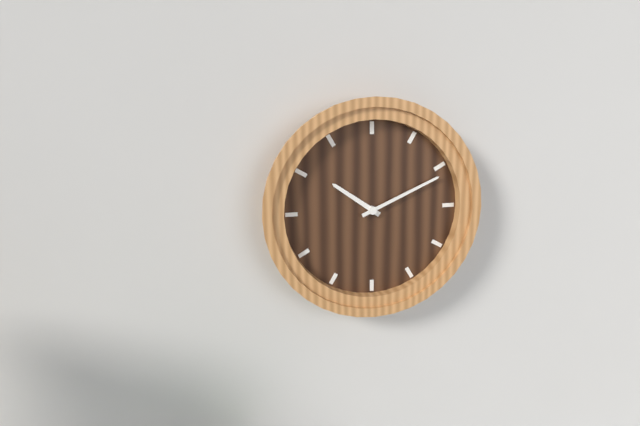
10:11
